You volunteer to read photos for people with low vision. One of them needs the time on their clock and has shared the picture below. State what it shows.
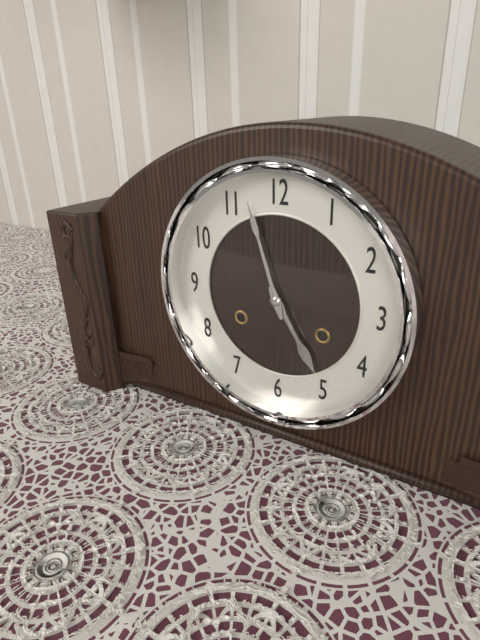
4:57
